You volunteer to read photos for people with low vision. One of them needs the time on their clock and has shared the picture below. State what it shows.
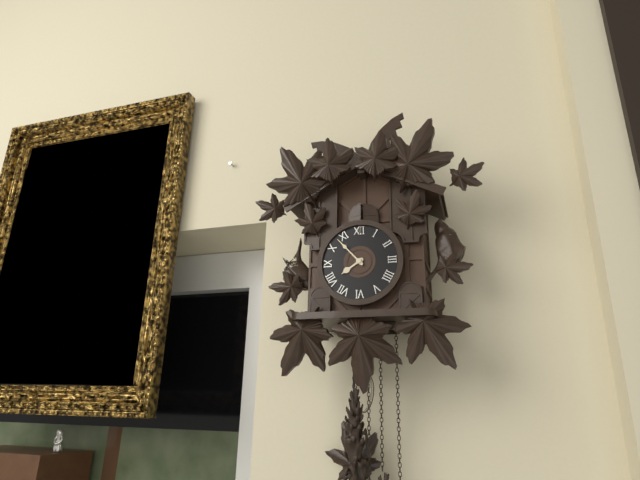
7:53
